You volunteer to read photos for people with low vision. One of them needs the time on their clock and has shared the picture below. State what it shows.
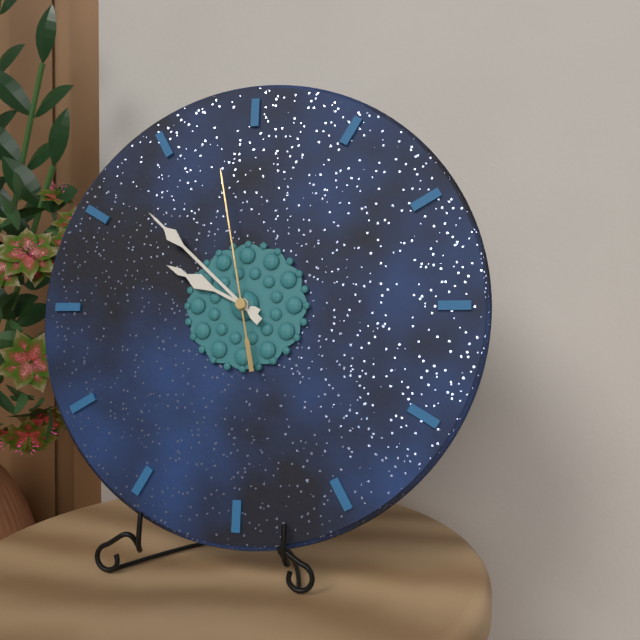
9:52:58
